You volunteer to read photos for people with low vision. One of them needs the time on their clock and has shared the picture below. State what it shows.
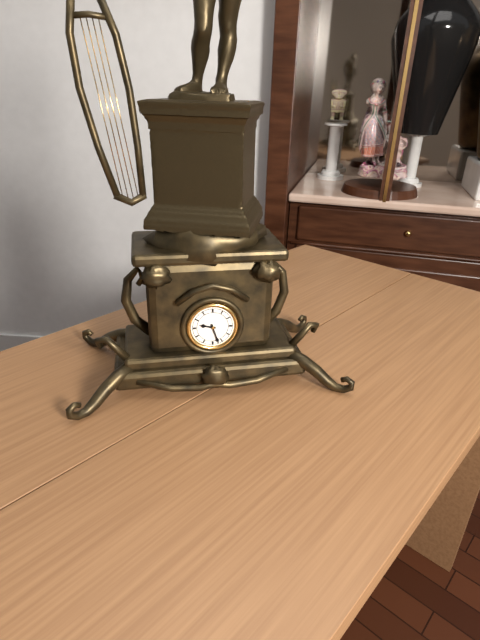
9:27
